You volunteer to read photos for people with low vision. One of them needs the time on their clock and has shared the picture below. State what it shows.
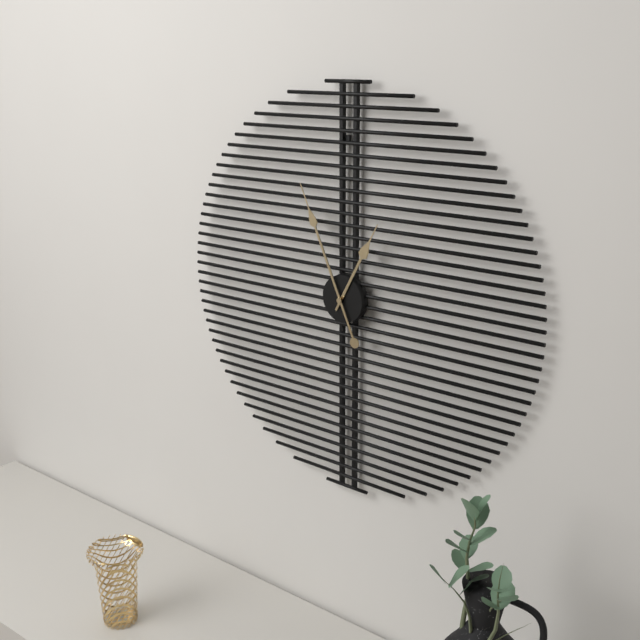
12:56
